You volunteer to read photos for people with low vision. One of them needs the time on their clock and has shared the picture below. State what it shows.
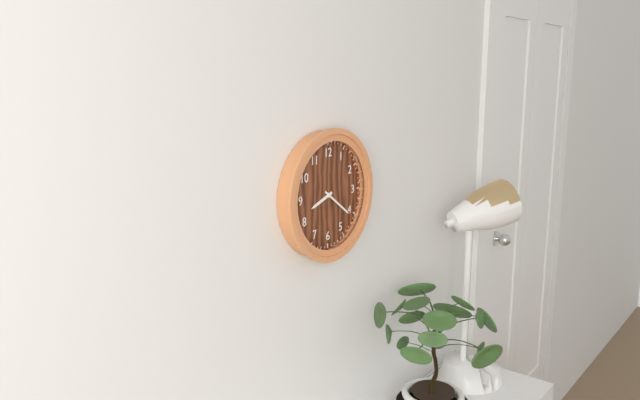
8:21
